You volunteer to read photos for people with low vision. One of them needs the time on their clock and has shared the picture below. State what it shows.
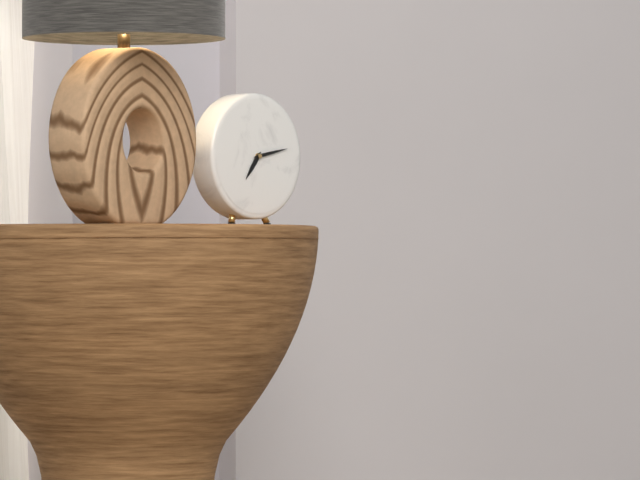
7:13
